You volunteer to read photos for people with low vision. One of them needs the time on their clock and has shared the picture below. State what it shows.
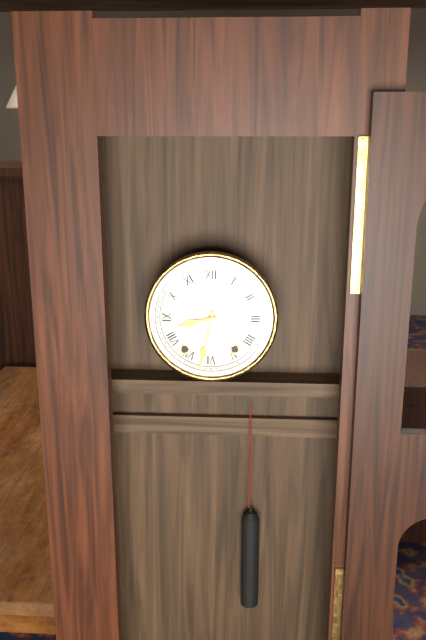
8:32
